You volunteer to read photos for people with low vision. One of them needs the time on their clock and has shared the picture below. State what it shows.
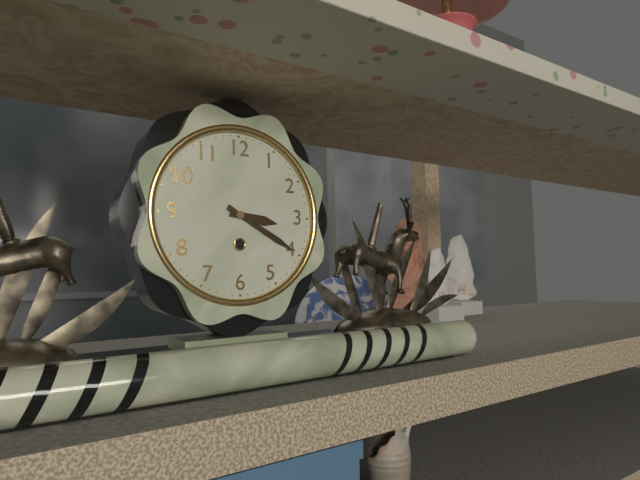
3:20
